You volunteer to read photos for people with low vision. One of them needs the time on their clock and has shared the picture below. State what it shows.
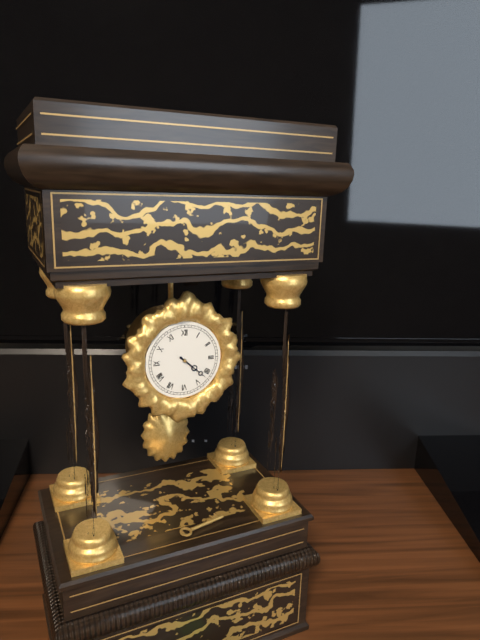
4:22
